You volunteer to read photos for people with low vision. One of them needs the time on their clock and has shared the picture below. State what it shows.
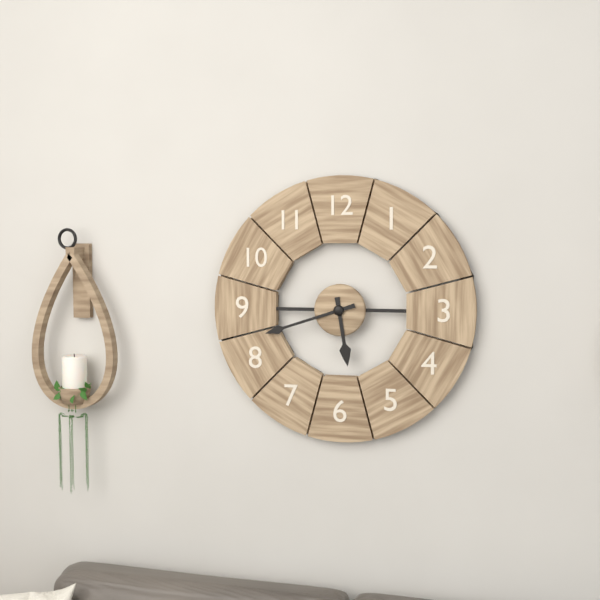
5:42
